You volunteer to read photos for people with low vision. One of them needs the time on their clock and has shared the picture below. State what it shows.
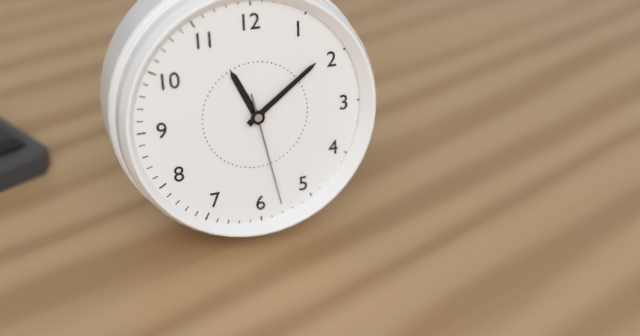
11:09:28
